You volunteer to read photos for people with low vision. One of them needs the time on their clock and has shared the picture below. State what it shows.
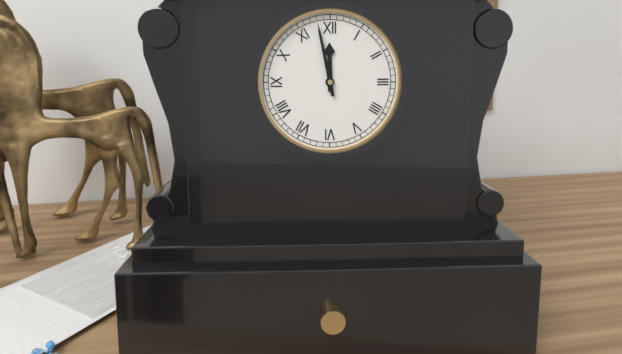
11:58
